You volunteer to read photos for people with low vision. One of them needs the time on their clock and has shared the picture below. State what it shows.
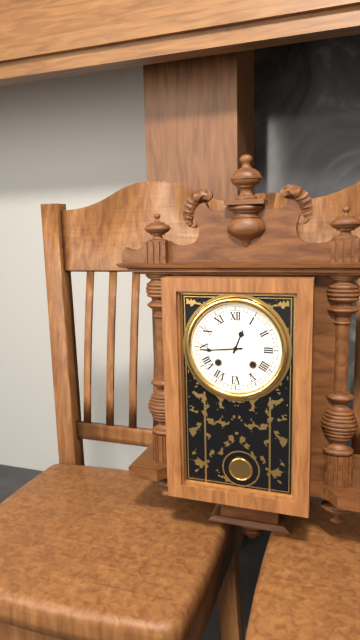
12:44
